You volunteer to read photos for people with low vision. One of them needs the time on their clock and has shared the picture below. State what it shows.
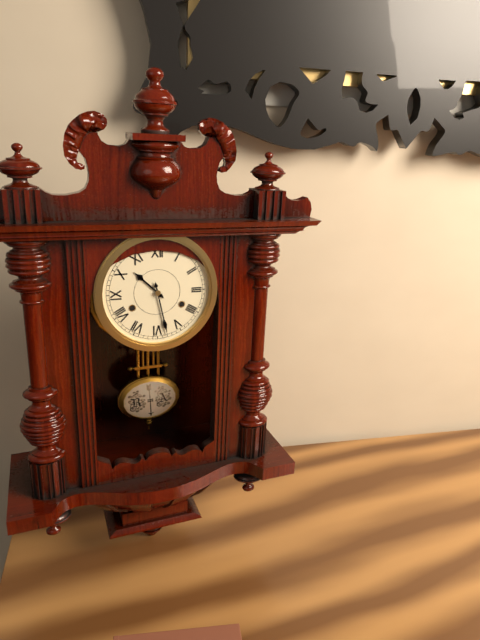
10:28
